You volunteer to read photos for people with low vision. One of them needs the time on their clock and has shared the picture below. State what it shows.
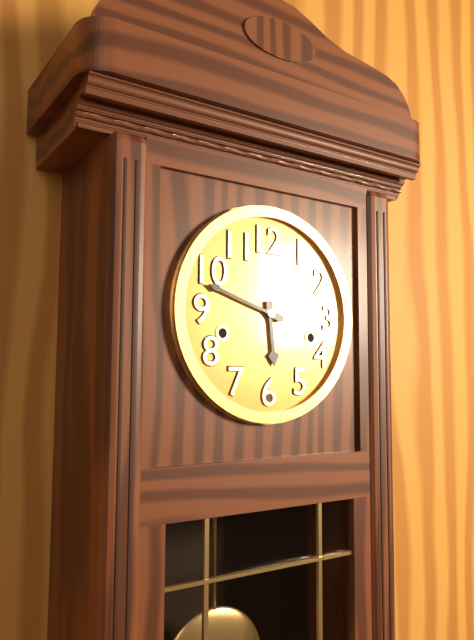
5:48
